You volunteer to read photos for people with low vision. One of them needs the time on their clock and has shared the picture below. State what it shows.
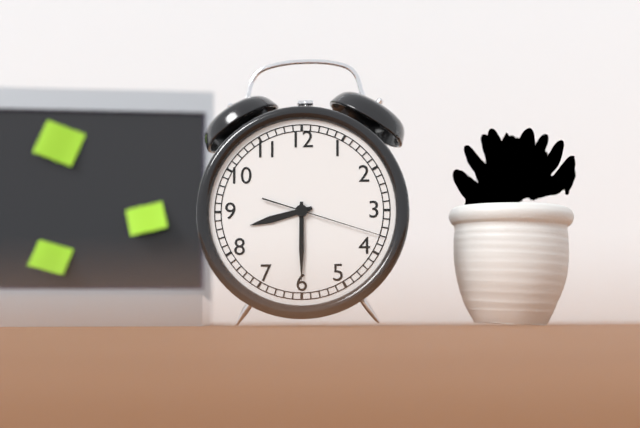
8:30:18
